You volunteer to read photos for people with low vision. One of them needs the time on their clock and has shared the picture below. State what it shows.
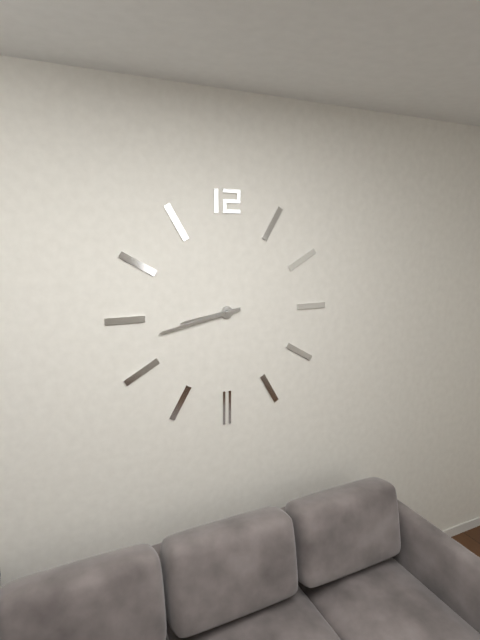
8:43
